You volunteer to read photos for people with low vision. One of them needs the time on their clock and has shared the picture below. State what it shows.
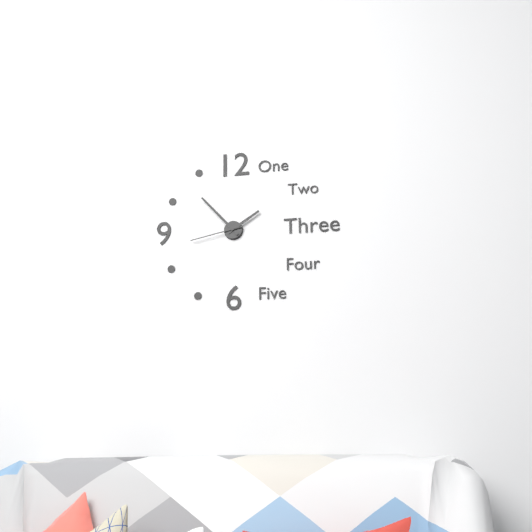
1:53:43
